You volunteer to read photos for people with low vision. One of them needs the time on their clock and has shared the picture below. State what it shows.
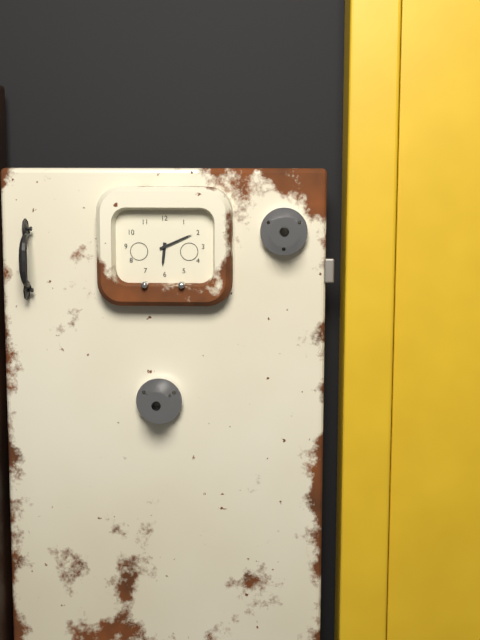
6:11
